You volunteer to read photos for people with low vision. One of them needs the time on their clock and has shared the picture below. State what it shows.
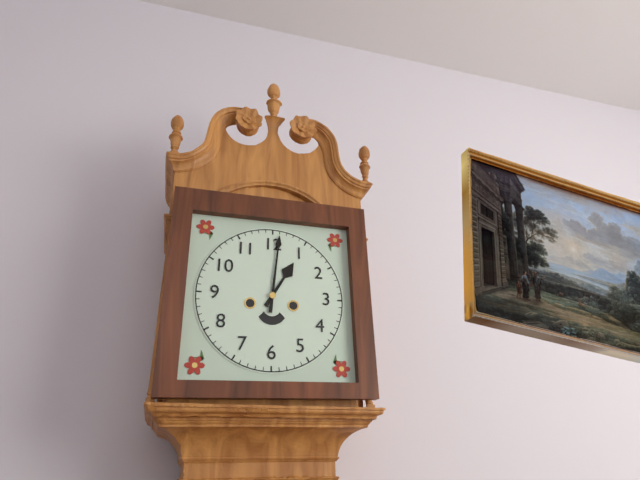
1:01
